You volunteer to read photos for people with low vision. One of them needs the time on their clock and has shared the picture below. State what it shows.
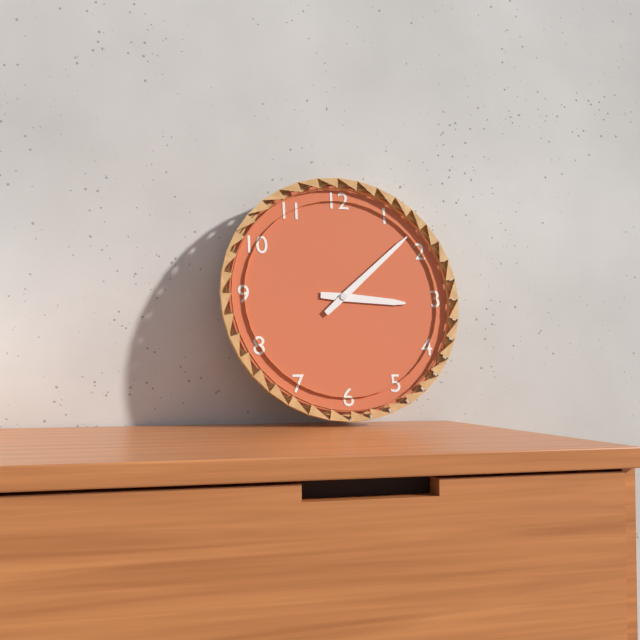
3:08
